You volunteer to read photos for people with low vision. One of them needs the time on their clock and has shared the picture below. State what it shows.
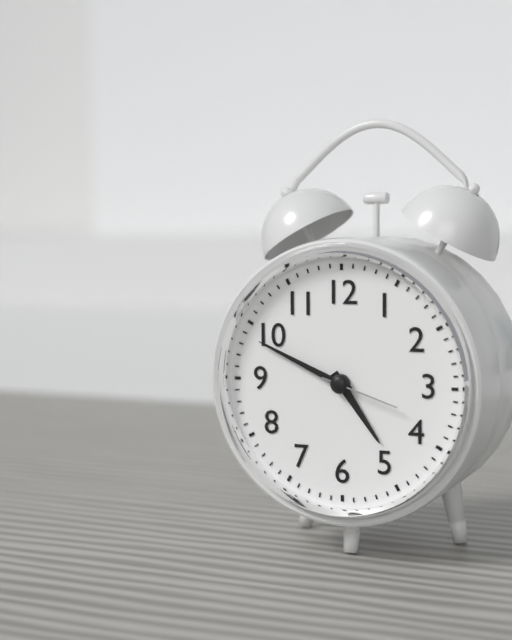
4:49:18
